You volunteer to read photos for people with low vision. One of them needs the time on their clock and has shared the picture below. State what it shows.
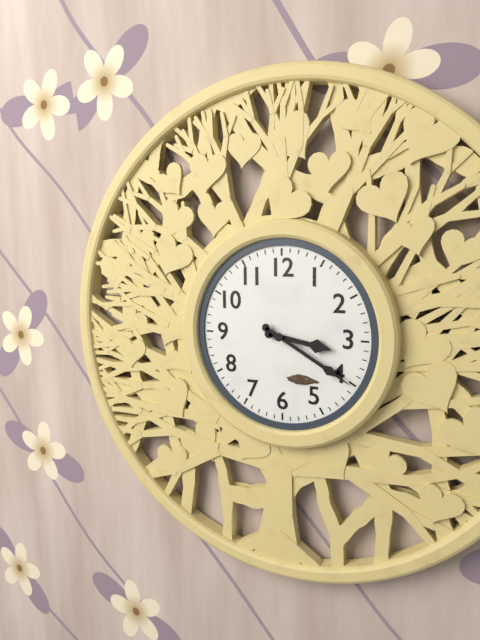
3:20
